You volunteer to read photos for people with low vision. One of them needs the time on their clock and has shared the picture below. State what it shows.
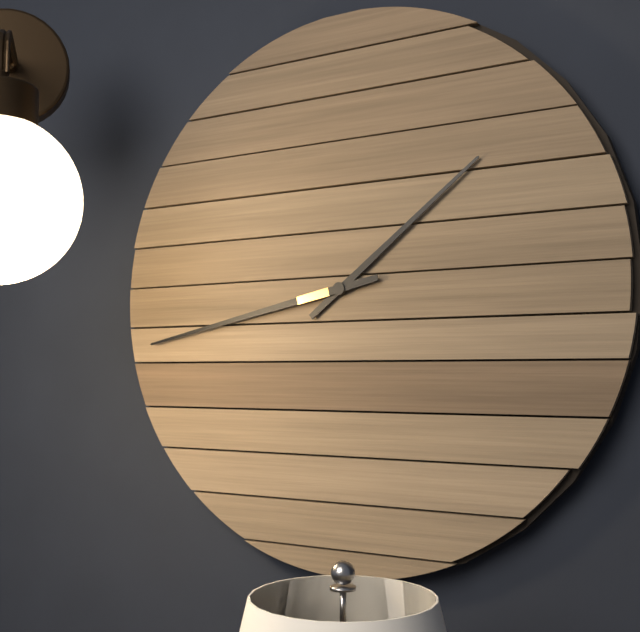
1:43
